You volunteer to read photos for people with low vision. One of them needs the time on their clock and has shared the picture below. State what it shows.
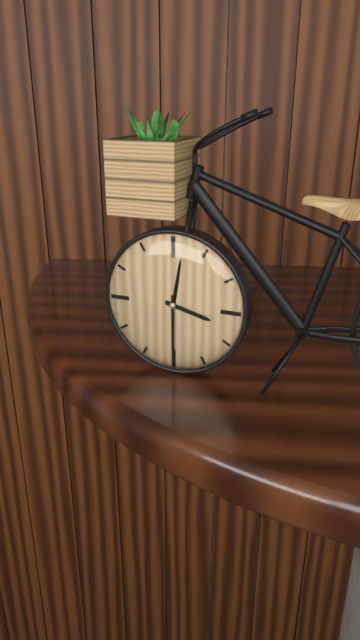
3:30
